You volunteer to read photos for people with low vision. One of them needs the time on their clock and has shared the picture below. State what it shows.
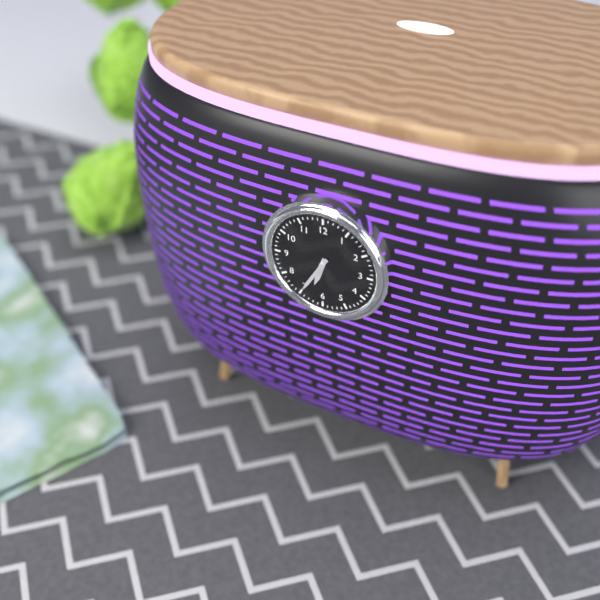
6:35
